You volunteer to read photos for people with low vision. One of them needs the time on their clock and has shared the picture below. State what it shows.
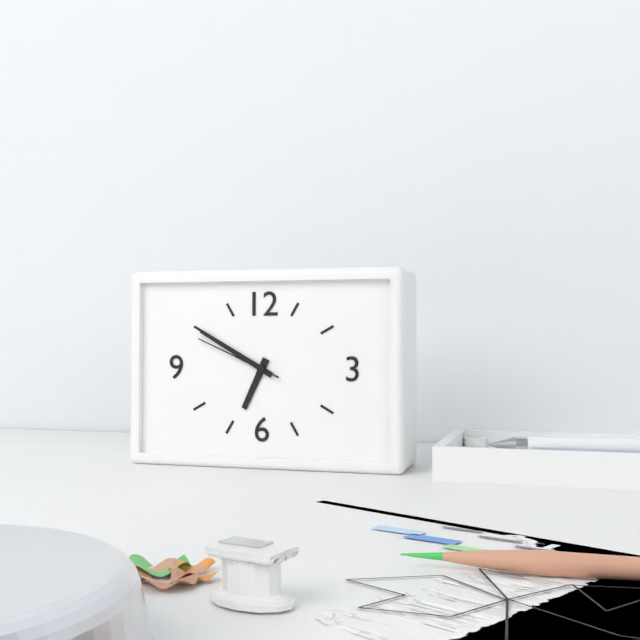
6:50:49
